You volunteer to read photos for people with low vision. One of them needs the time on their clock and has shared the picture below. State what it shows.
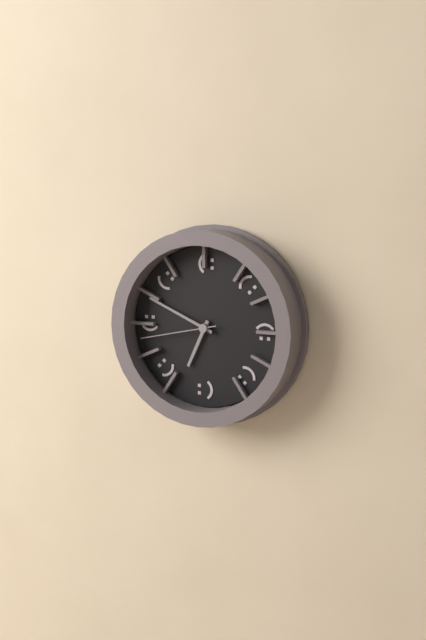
6:49:43
